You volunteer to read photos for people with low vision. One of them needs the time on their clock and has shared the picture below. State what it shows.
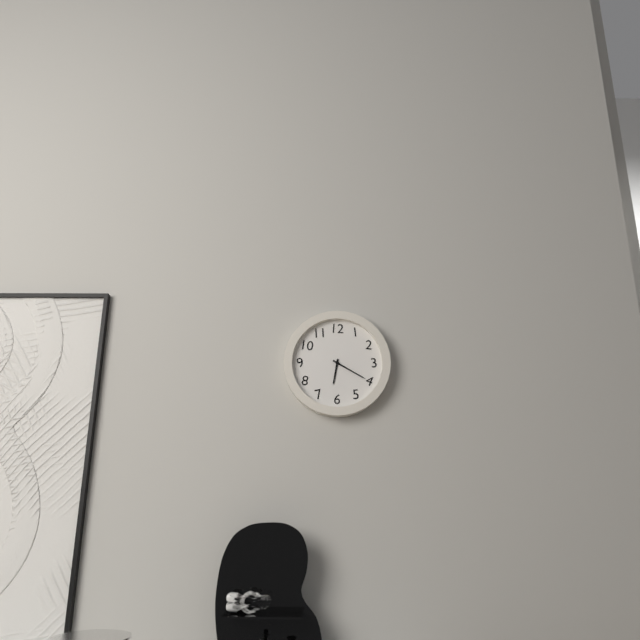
6:20
